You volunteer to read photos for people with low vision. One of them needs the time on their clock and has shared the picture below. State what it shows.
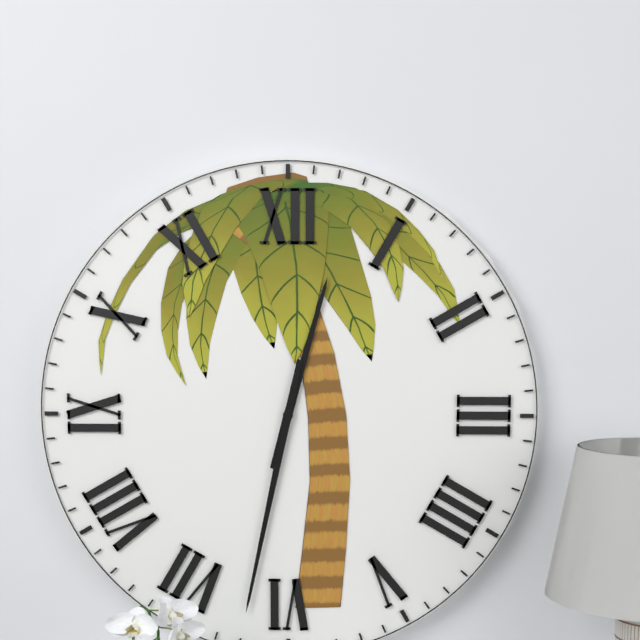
12:32
